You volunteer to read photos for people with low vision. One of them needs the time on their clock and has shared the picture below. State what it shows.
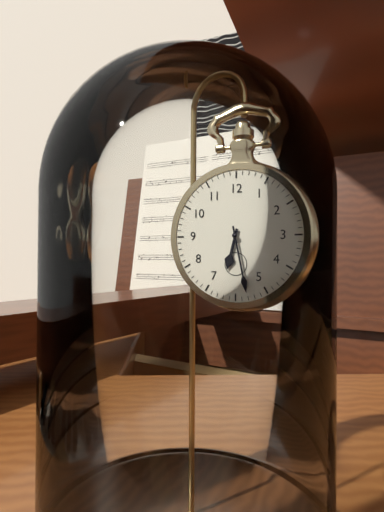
6:28
